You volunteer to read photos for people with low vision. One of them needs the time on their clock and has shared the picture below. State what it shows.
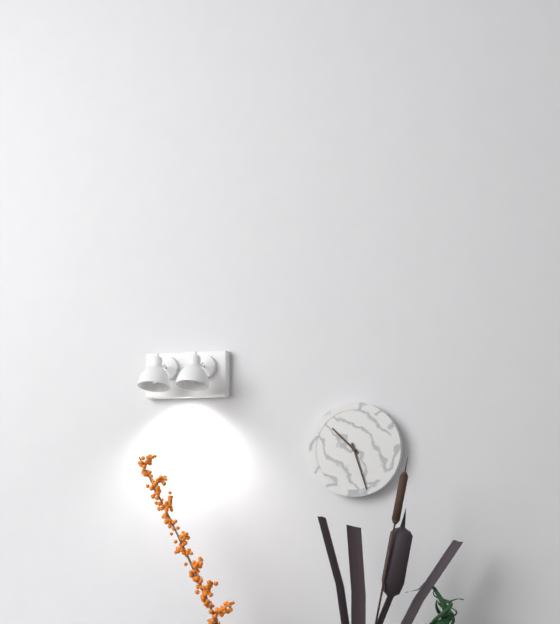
10:27
